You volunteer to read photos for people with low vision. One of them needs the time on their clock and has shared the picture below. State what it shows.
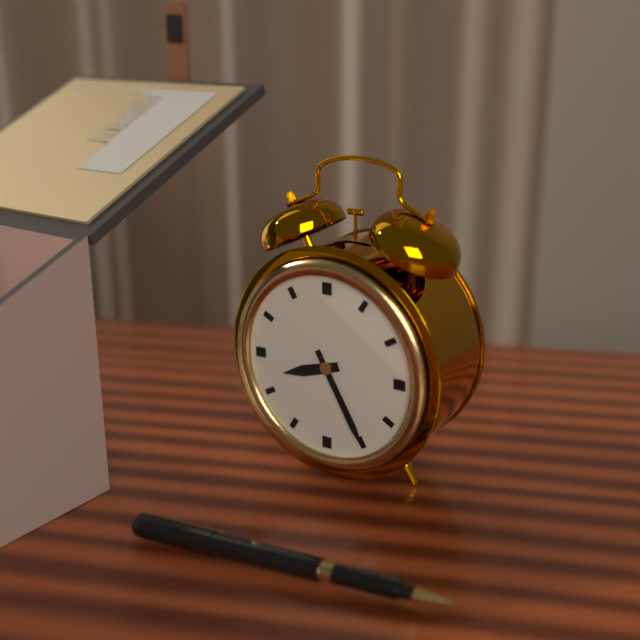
8:25
